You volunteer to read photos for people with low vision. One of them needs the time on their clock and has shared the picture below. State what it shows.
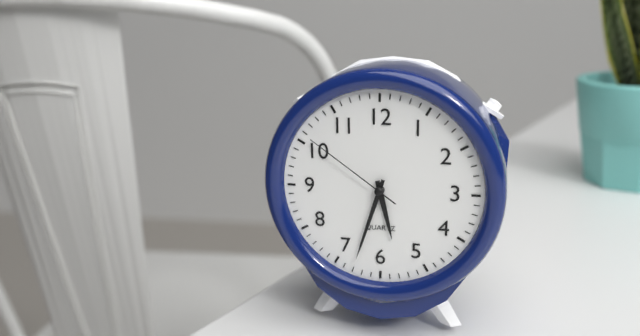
5:33:51
